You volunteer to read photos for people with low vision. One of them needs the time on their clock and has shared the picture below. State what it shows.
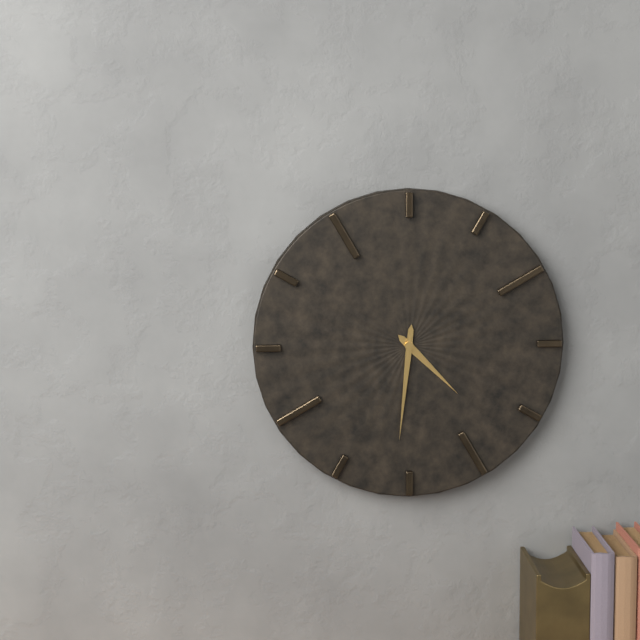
4:31
